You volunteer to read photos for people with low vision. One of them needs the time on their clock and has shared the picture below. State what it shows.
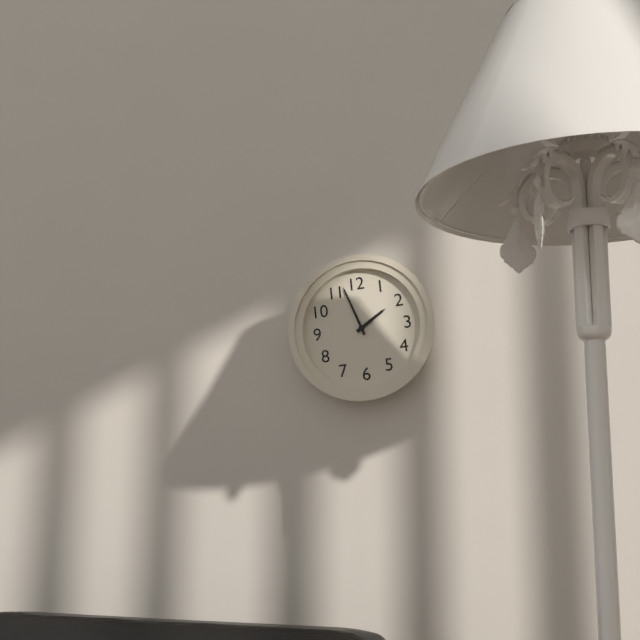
1:57
